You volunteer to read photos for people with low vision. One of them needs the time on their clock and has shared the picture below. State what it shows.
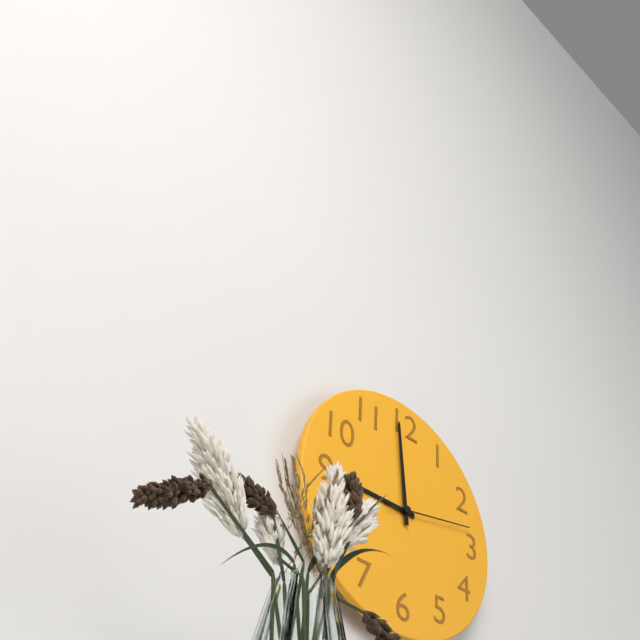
8:59:13
